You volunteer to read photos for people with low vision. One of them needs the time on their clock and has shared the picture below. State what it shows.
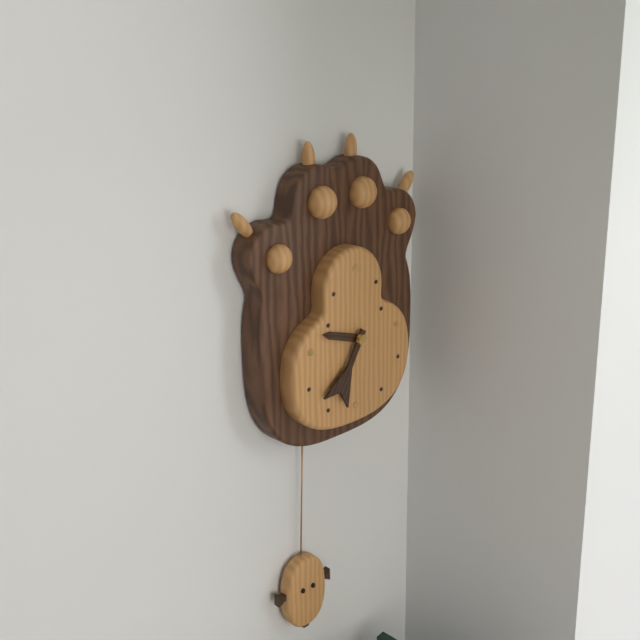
9:35
